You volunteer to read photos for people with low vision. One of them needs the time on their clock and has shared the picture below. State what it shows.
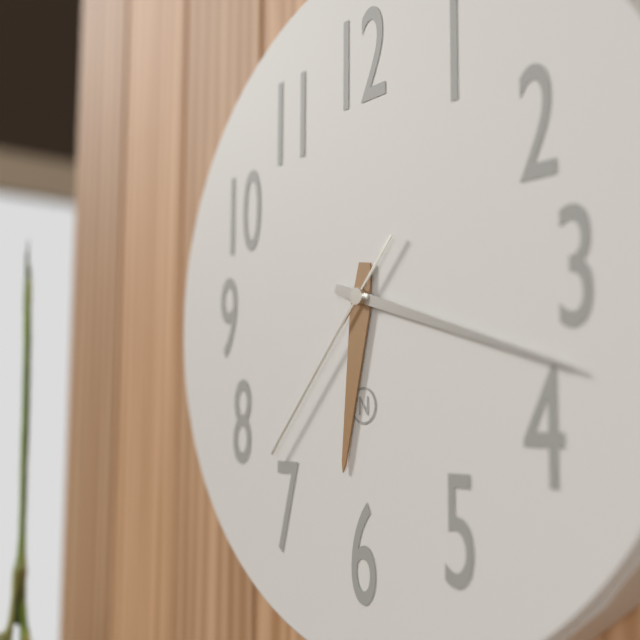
6:18:37
